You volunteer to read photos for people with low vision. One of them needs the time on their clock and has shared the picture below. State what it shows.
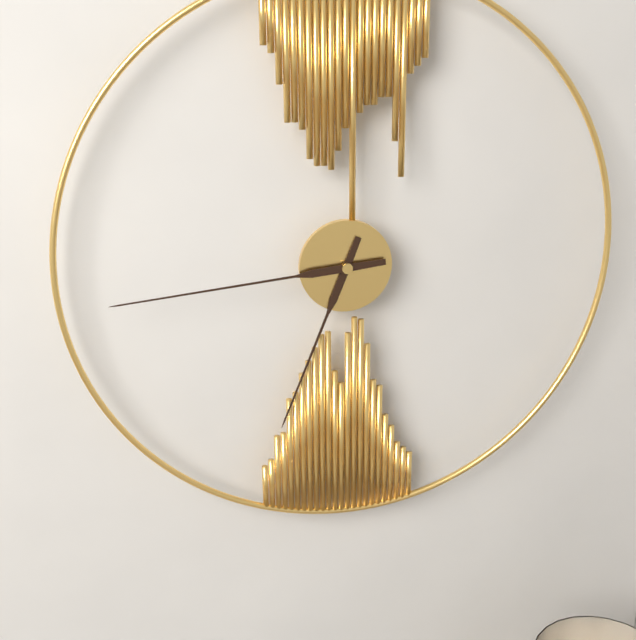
6:44
